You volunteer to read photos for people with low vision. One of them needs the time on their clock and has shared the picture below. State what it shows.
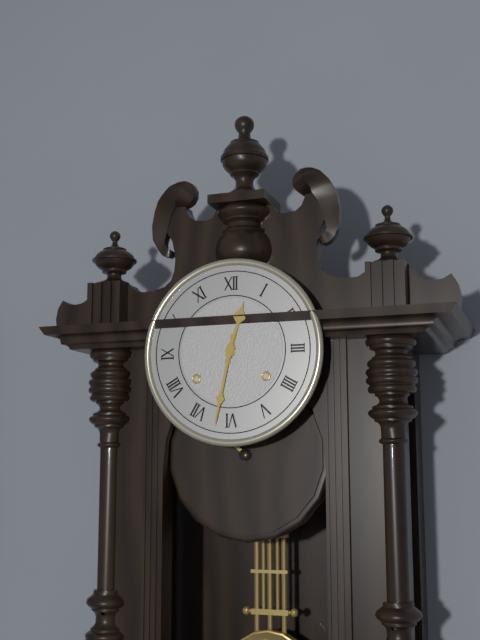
12:32
